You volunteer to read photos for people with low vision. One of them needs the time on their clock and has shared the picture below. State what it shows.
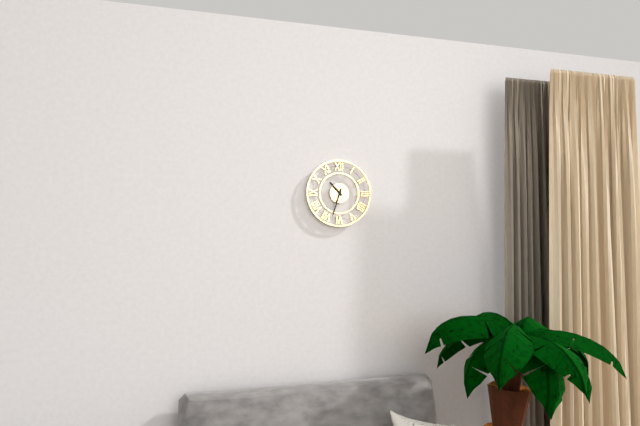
10:33
